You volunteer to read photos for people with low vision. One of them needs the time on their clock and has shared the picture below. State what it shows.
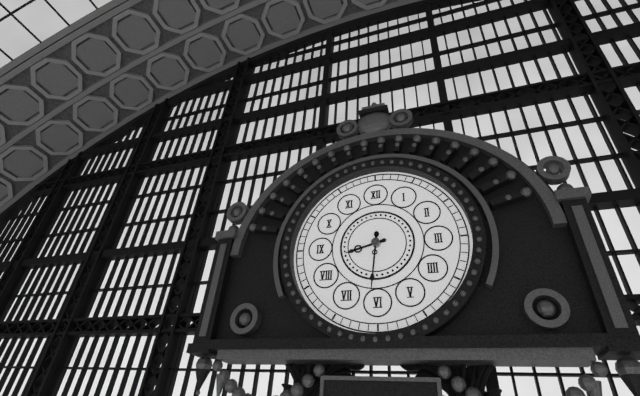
8:31
